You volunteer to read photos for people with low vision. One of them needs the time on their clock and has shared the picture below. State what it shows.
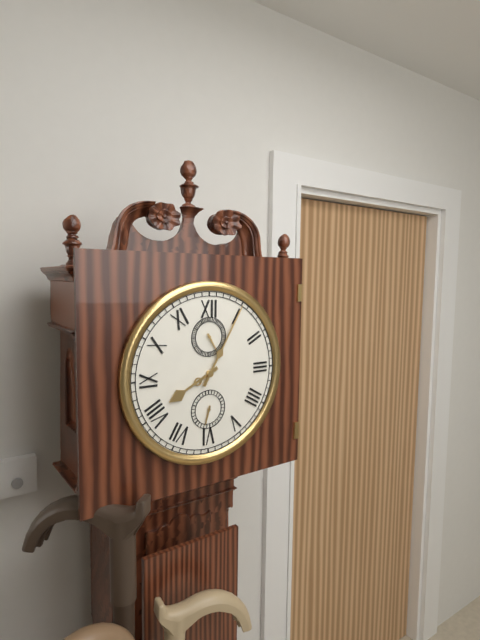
8:05
